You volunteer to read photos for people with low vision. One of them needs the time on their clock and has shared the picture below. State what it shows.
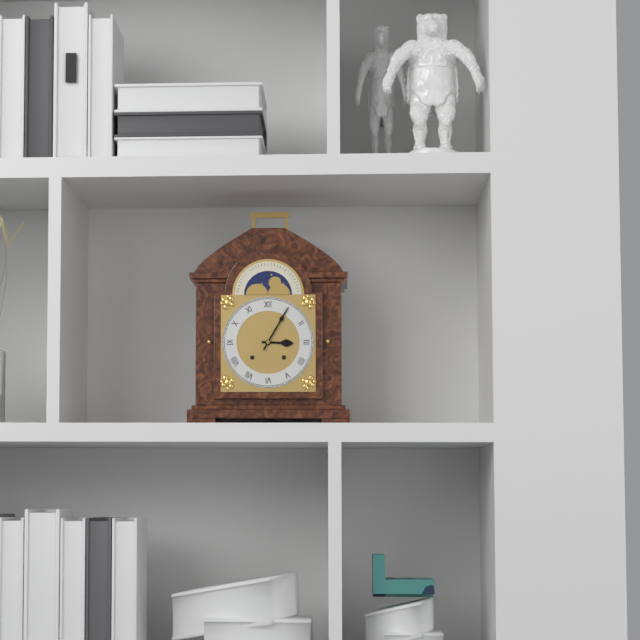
3:05
